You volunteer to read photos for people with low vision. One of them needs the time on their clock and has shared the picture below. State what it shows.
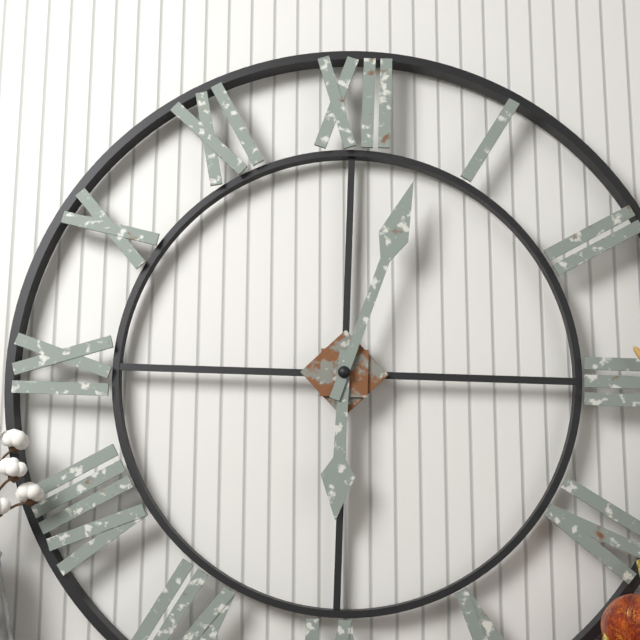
6:03
